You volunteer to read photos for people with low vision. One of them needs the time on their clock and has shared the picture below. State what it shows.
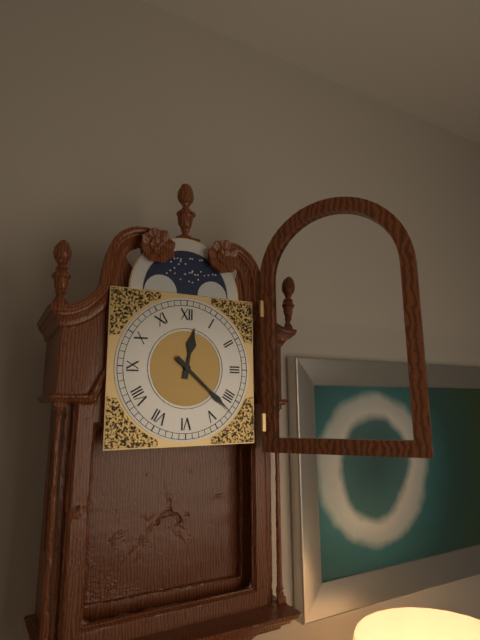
12:22
